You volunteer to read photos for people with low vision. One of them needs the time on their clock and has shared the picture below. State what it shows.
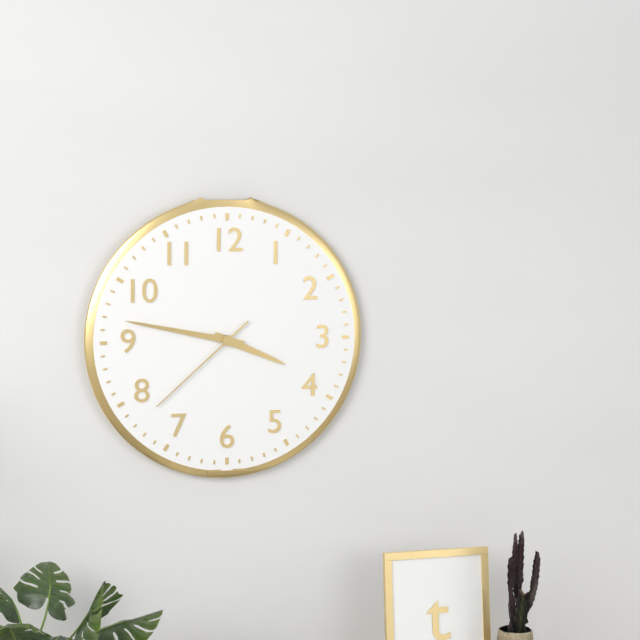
3:47:38
